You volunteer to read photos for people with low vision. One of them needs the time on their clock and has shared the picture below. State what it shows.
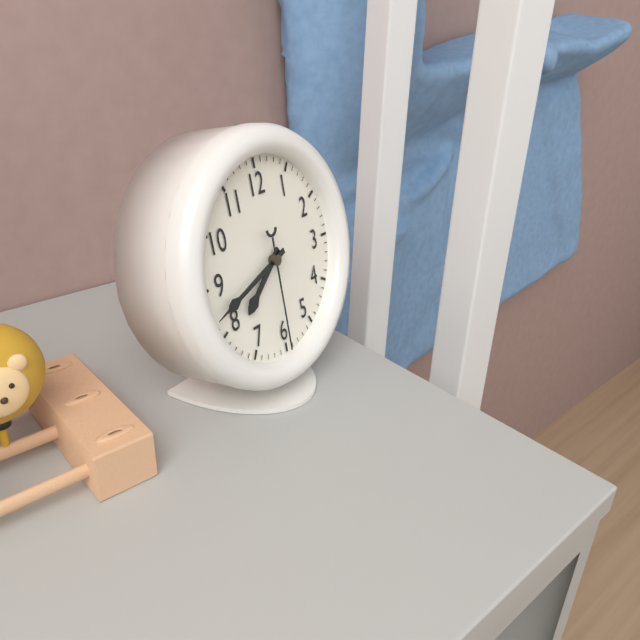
7:42:30
